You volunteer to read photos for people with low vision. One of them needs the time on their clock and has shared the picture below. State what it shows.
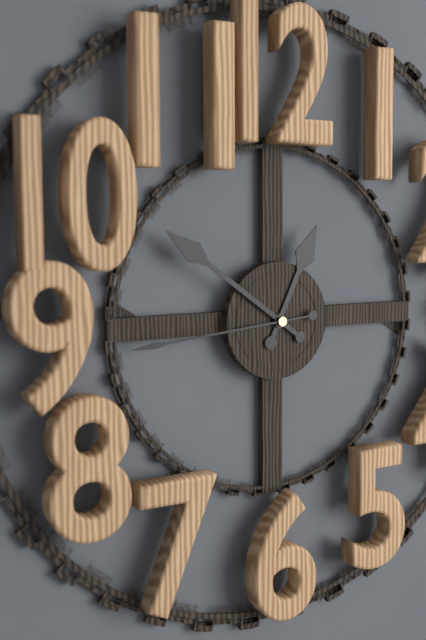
12:51:44
